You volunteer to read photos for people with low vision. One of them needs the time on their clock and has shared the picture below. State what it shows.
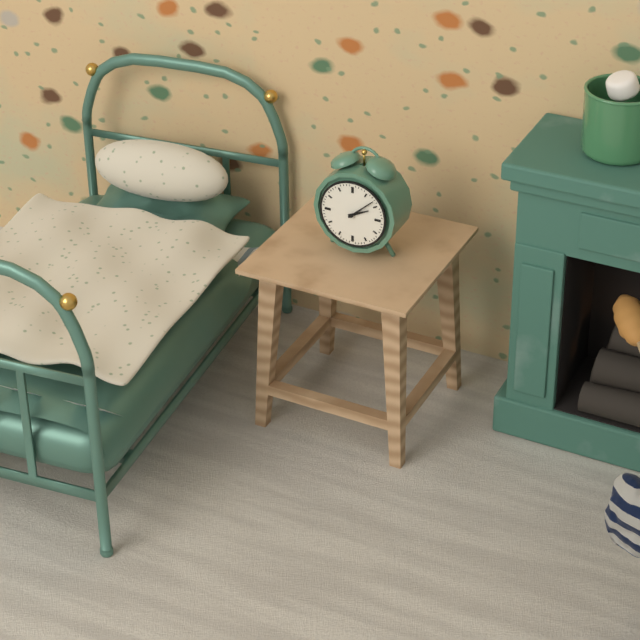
2:08
